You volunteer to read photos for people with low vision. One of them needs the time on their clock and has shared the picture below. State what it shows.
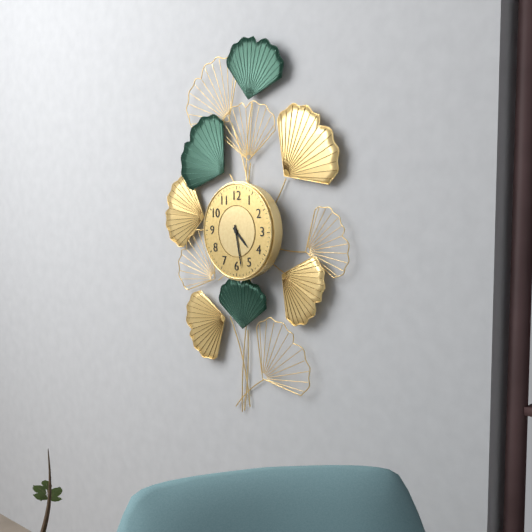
4:28
